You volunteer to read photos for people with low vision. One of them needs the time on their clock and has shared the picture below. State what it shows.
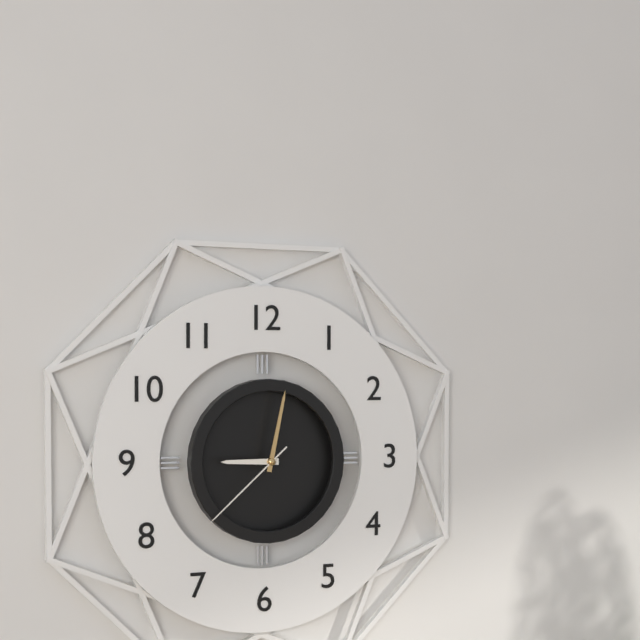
9:02:38
